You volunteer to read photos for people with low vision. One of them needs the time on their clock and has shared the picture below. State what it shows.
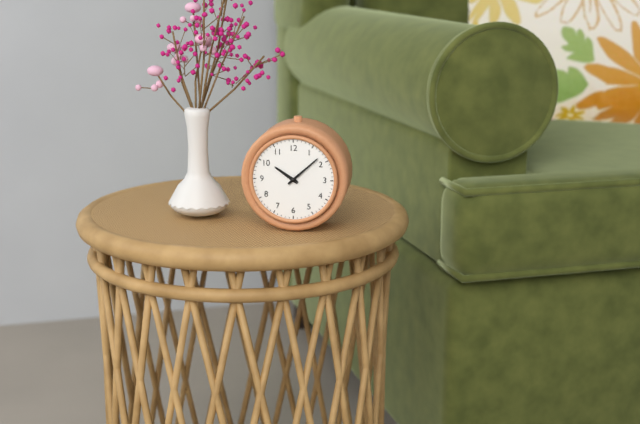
10:08
